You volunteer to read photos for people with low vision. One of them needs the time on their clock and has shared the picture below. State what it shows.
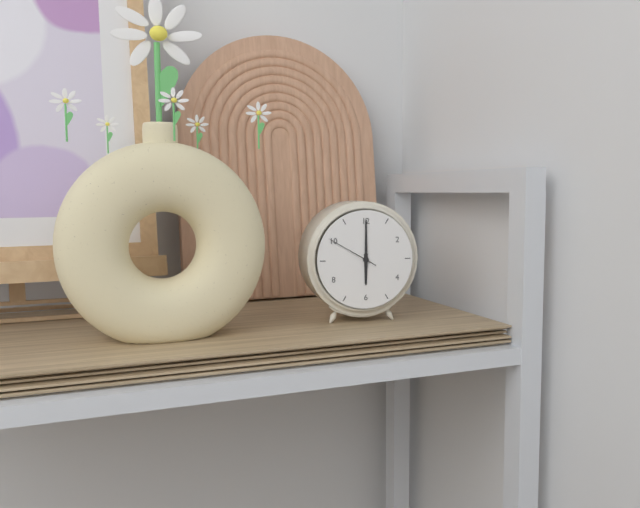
6:00:50
